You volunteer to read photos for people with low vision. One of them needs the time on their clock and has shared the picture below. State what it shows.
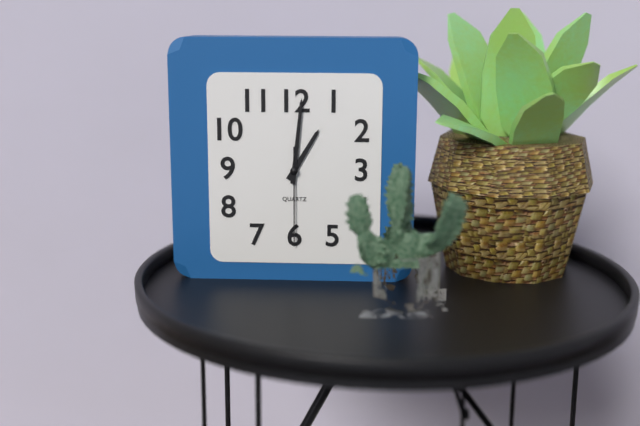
1:01:30
